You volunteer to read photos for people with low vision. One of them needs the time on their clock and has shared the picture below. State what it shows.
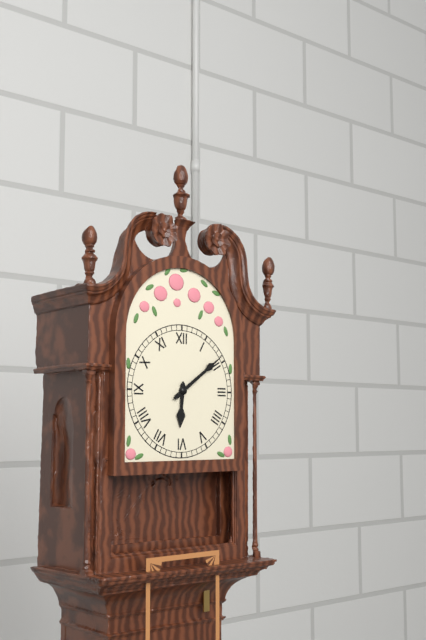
6:09
